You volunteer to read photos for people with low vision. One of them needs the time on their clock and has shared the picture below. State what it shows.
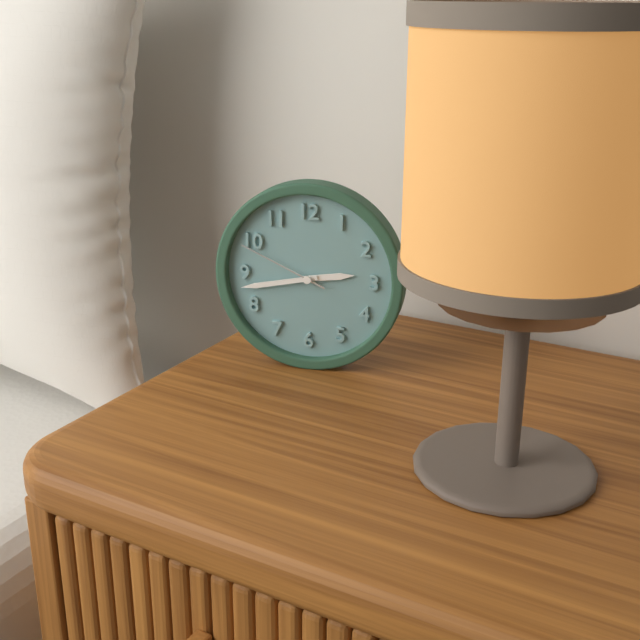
2:43:49
